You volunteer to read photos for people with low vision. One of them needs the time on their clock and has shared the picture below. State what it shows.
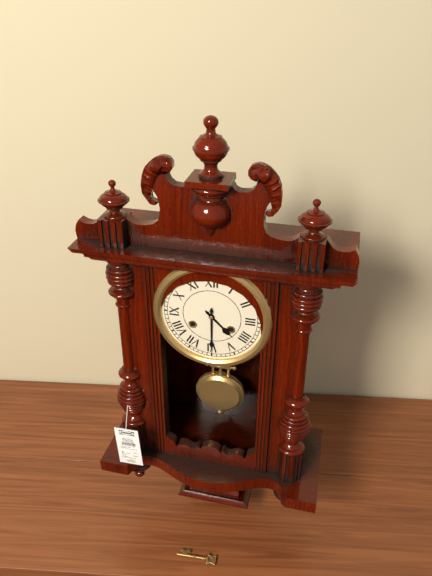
4:30
